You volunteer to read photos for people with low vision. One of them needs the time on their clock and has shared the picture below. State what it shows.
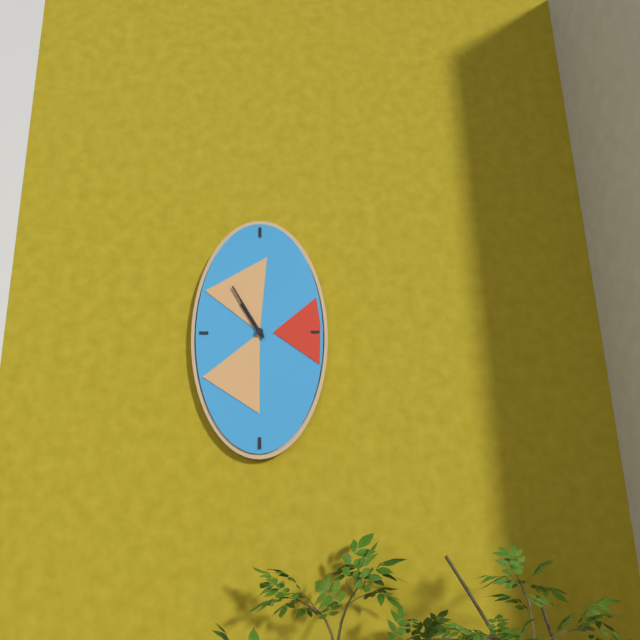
10:55
